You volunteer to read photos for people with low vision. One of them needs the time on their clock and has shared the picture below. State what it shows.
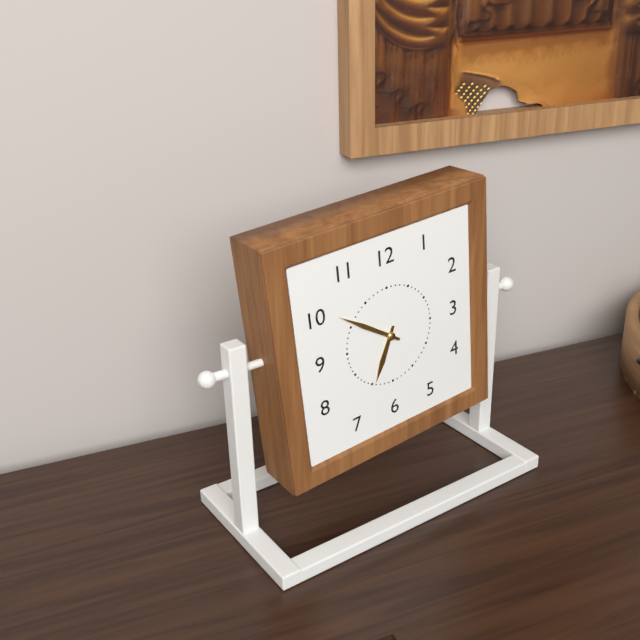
6:51
